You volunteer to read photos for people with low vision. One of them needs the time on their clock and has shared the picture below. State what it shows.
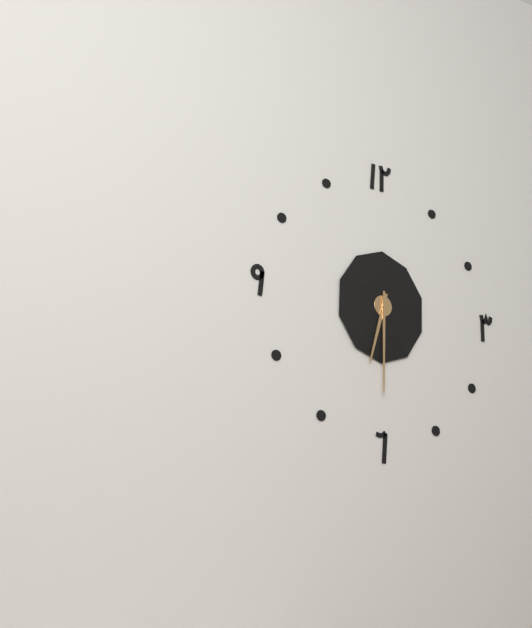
6:30
